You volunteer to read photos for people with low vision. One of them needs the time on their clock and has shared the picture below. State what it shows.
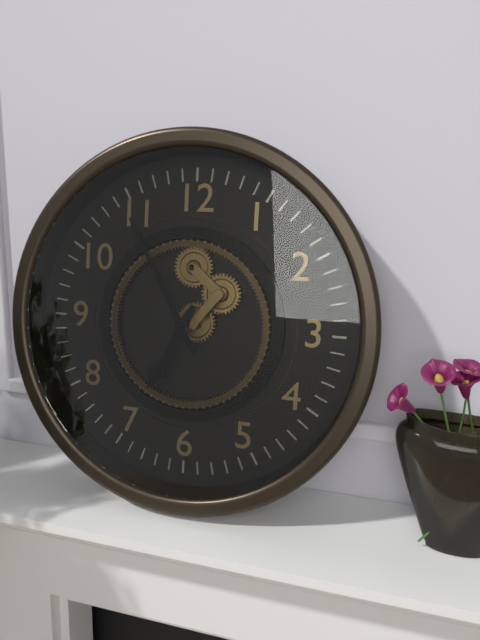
6:55
